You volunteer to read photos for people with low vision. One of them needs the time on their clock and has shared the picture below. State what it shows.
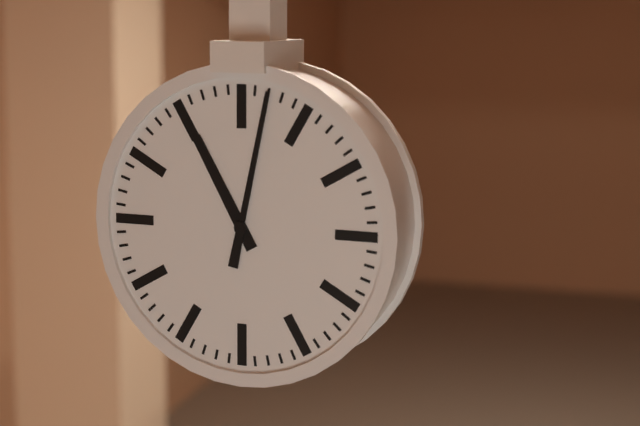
11:02
